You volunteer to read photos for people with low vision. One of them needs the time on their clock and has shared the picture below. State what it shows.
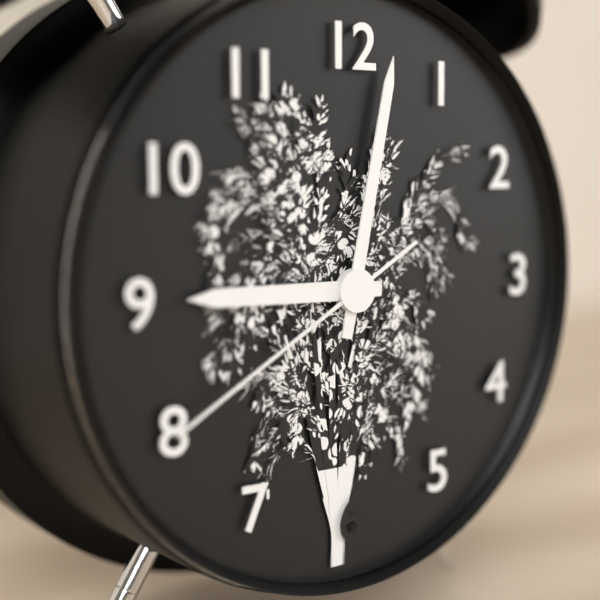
9:02:40
